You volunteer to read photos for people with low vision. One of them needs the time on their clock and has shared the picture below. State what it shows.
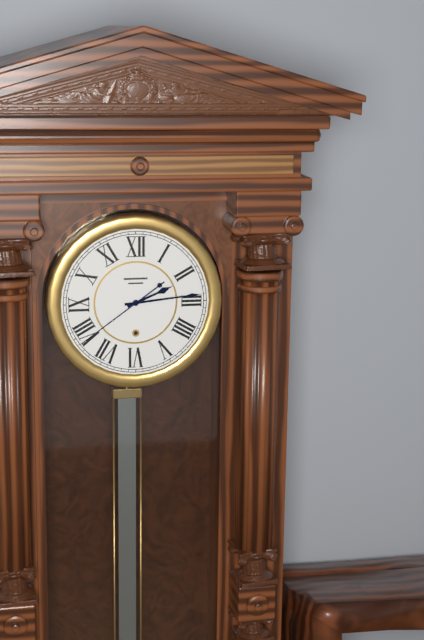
2:14:39
